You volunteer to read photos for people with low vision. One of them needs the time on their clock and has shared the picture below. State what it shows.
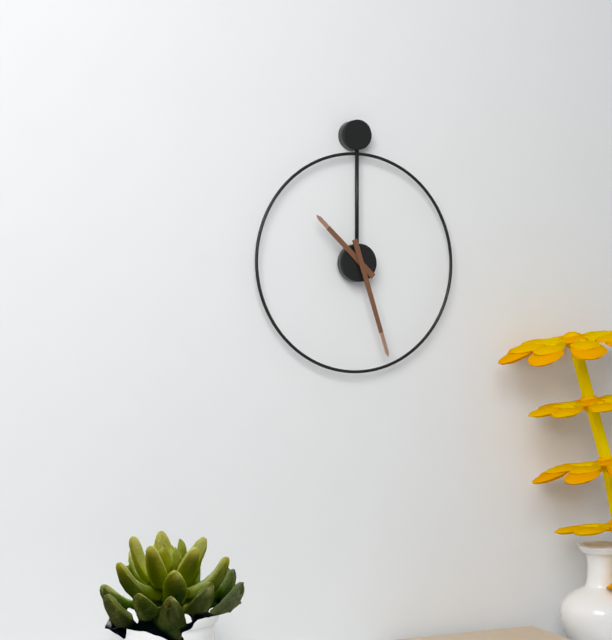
10:27
